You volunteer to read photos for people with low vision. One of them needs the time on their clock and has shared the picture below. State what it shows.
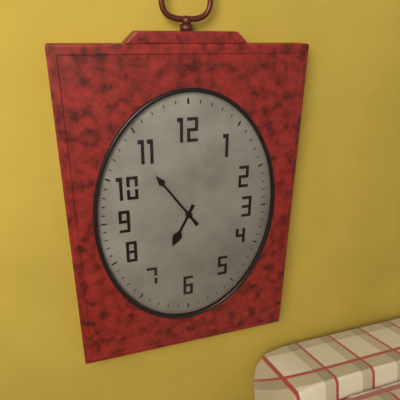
6:54
